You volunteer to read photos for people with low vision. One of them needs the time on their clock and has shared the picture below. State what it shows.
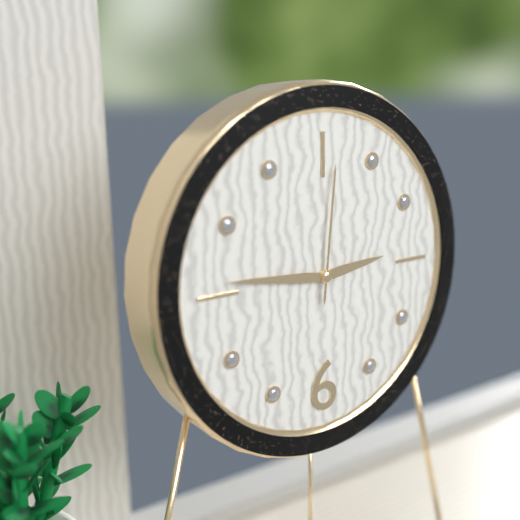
2:46:01
